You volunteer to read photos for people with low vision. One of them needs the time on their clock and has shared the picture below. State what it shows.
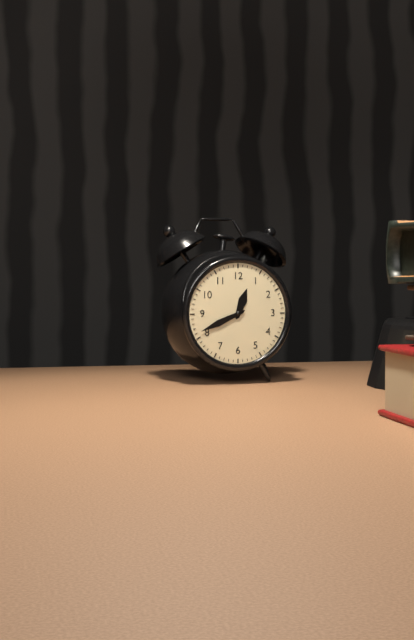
12:41
